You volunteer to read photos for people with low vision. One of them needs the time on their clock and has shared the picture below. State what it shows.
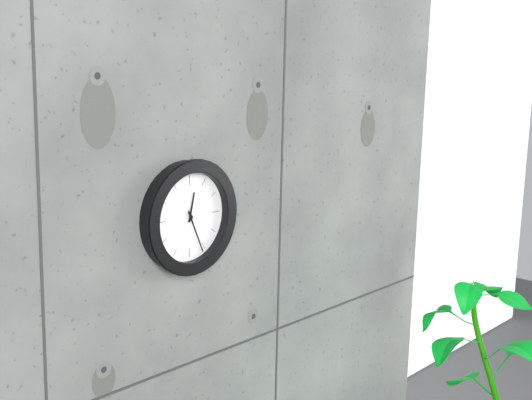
12:26
